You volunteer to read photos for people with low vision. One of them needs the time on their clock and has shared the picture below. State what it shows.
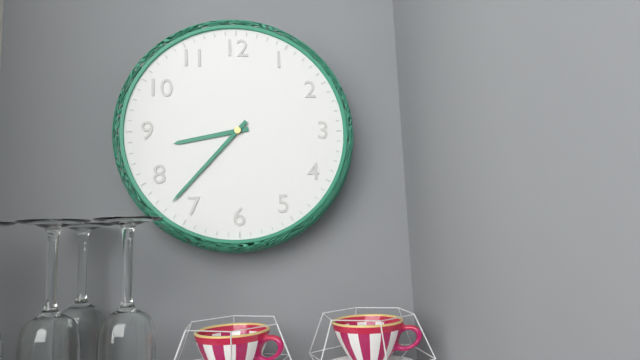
8:37
